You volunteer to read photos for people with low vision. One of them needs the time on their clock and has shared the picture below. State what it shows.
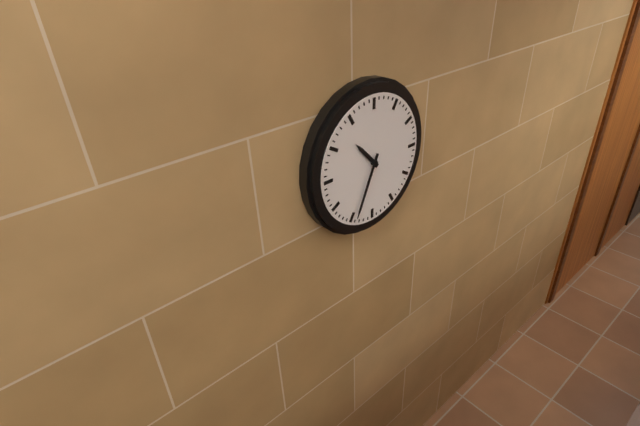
10:34
